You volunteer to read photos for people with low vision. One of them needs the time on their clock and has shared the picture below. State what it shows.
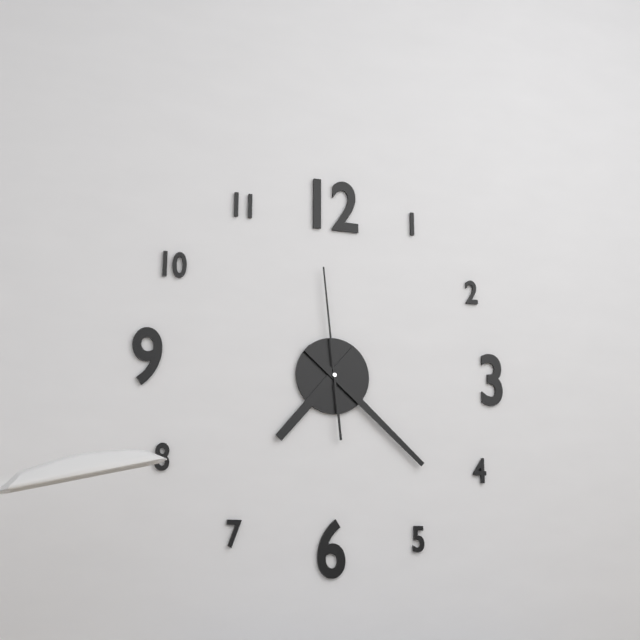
7:22:59
